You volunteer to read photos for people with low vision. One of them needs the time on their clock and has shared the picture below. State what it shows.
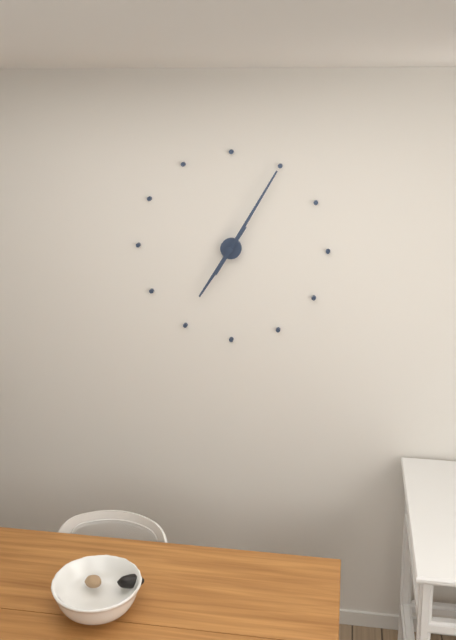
7:05
